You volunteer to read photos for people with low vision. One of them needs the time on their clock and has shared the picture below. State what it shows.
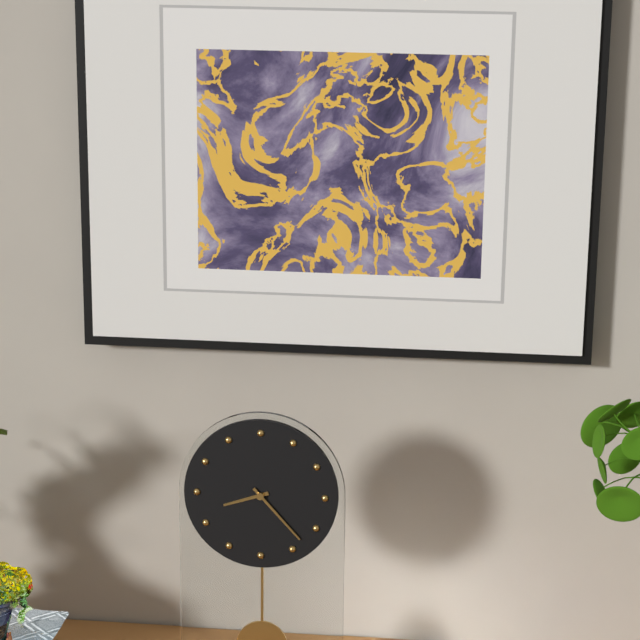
8:23
